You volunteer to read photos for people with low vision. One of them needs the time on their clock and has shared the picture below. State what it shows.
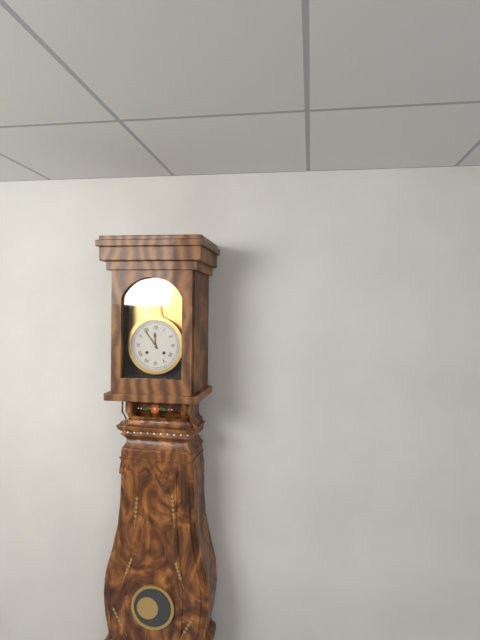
11:54
